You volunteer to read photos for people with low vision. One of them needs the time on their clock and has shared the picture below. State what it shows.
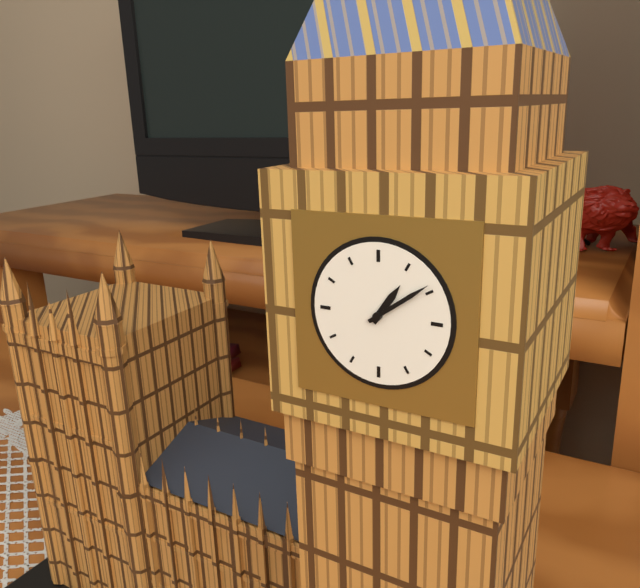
1:09
